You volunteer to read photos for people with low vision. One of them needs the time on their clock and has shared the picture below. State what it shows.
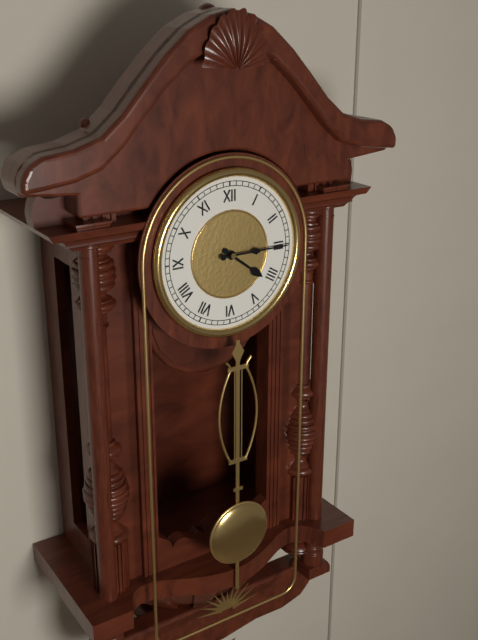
4:15
